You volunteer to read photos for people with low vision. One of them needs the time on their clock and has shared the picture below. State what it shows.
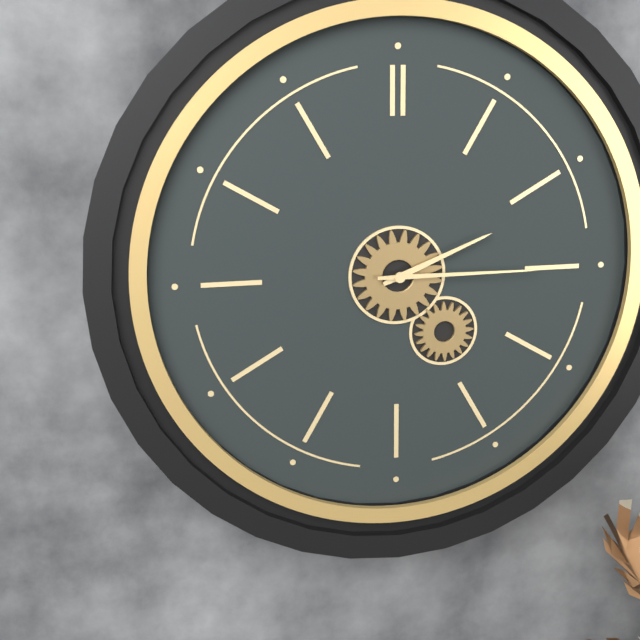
2:15
